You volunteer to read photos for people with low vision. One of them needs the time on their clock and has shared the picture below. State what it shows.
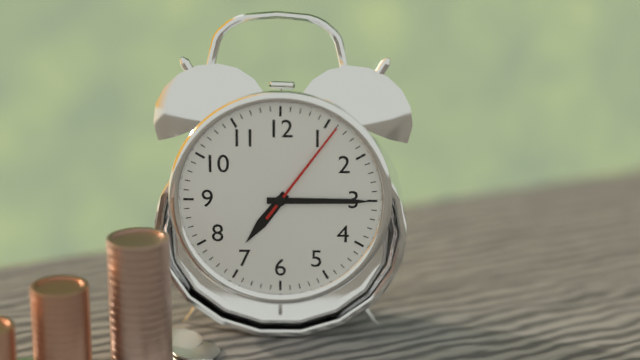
7:15:06
